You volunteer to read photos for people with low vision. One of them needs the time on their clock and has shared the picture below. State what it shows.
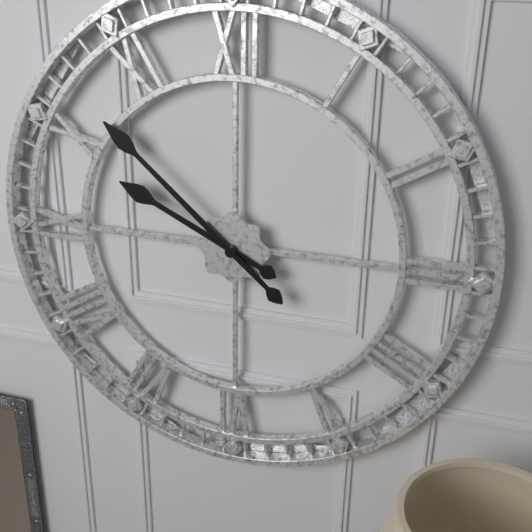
9:52
